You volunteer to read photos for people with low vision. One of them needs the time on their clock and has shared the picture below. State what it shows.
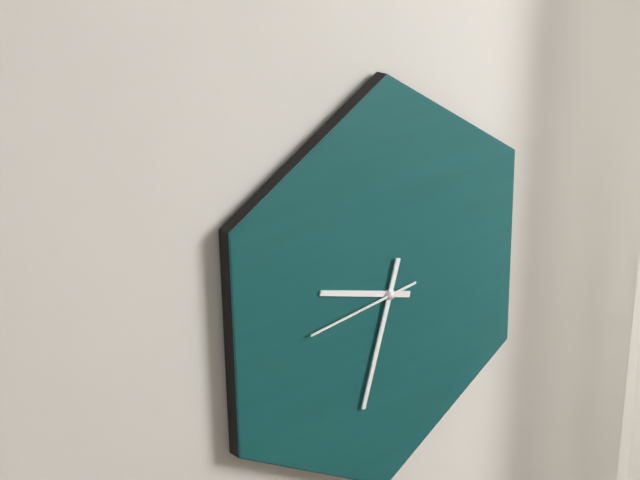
9:33:44
